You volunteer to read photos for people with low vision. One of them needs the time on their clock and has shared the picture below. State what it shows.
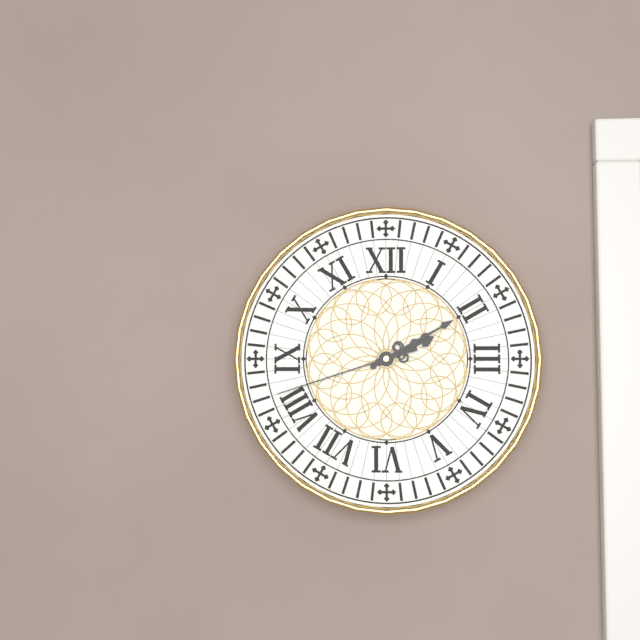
2:10:42
